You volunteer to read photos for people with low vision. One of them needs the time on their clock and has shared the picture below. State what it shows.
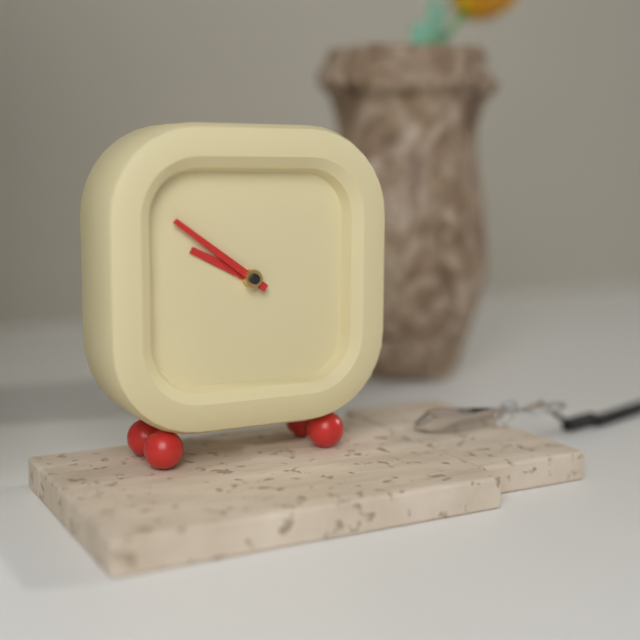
9:51
